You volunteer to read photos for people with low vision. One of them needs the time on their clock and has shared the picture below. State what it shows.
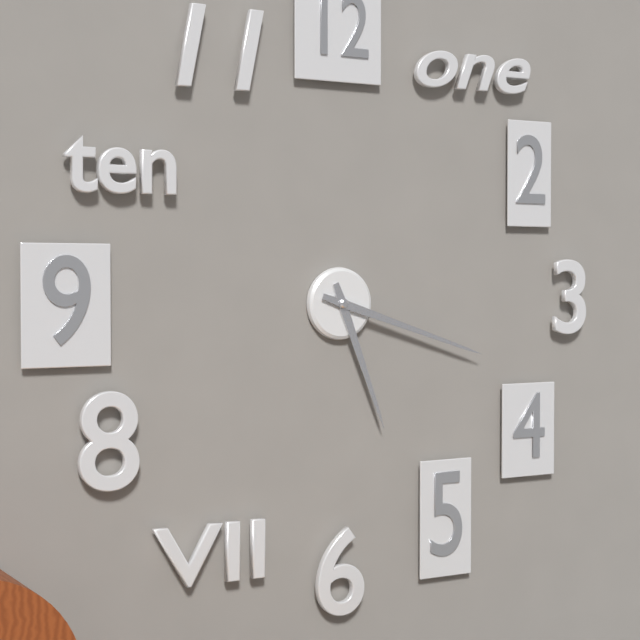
5:18
